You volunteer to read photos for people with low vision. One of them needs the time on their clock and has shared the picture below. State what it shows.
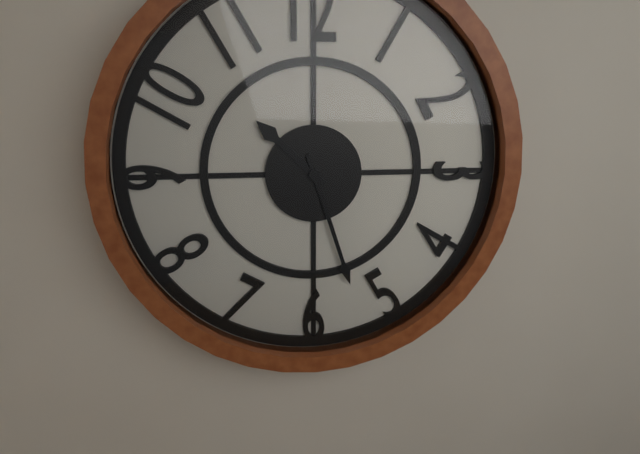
10:27
